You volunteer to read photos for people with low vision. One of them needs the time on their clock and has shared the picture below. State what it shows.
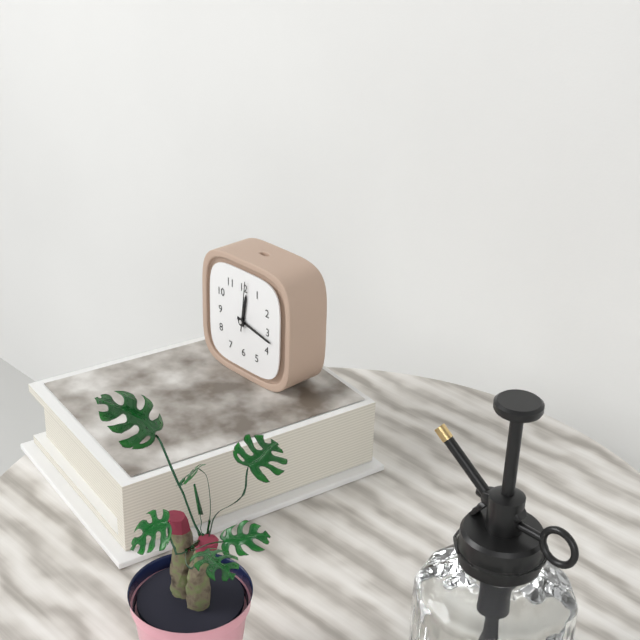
12:17
